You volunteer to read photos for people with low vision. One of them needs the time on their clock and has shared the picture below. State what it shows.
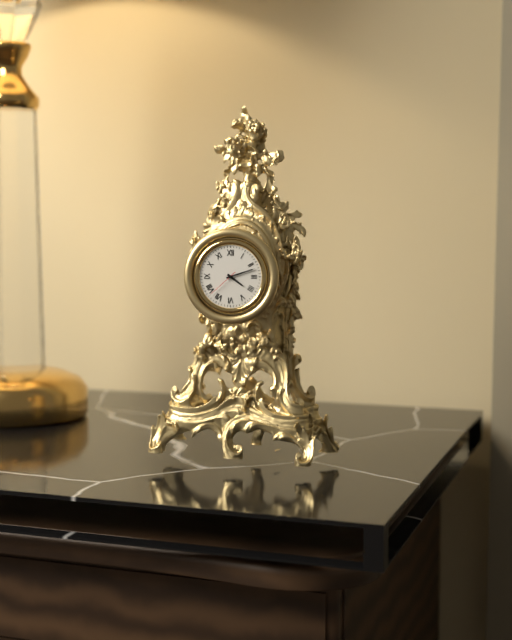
4:12
